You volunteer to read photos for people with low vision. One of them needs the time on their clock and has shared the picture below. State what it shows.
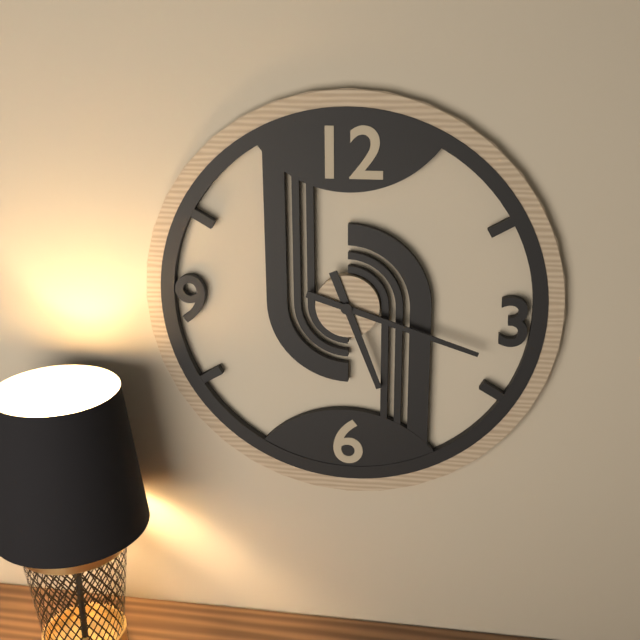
5:18
